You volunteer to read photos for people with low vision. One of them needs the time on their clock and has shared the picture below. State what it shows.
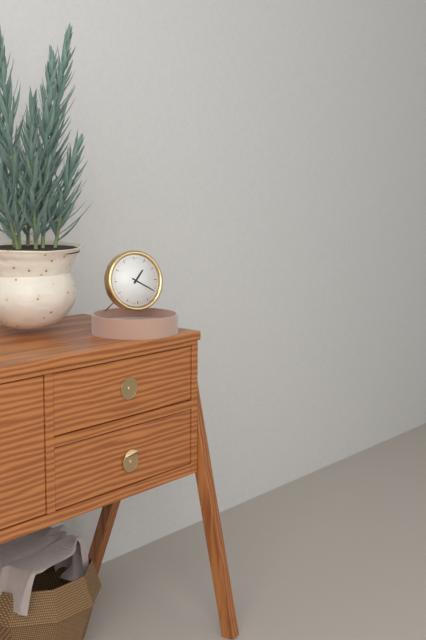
1:20
